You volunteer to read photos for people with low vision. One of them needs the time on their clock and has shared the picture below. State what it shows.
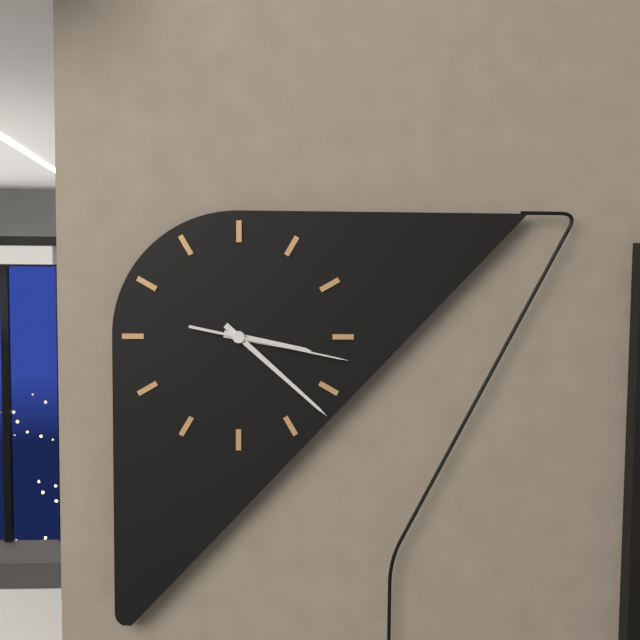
3:22:17
